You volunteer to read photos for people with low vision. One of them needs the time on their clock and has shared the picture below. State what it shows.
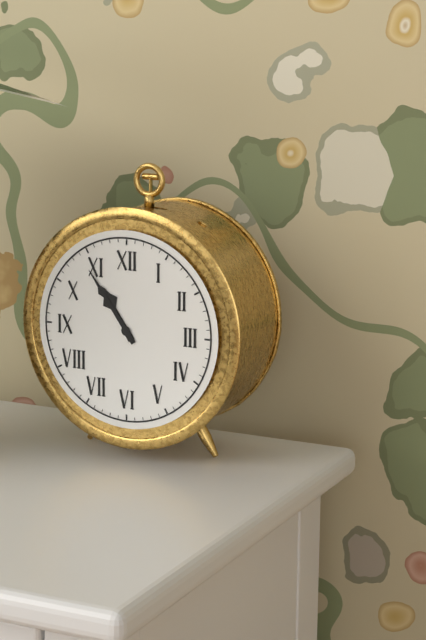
10:54
